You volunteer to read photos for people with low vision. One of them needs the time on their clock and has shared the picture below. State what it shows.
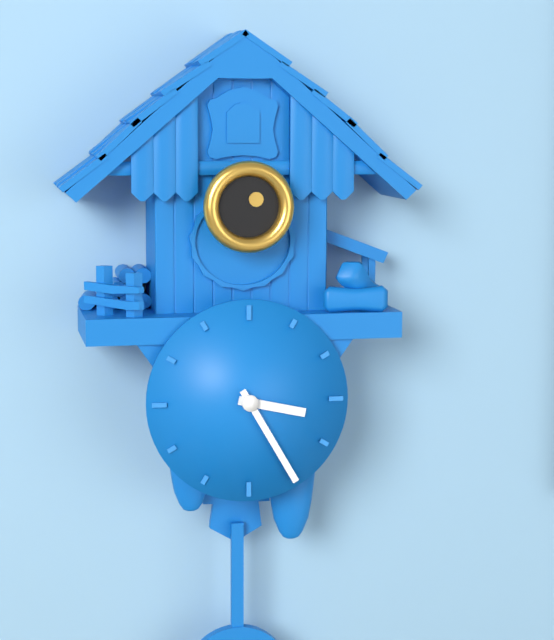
3:25
